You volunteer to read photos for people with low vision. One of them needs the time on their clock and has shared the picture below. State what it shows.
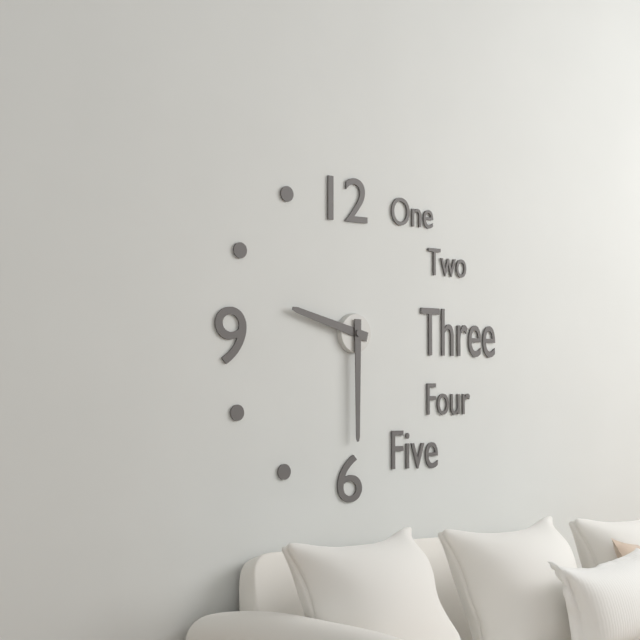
9:30
